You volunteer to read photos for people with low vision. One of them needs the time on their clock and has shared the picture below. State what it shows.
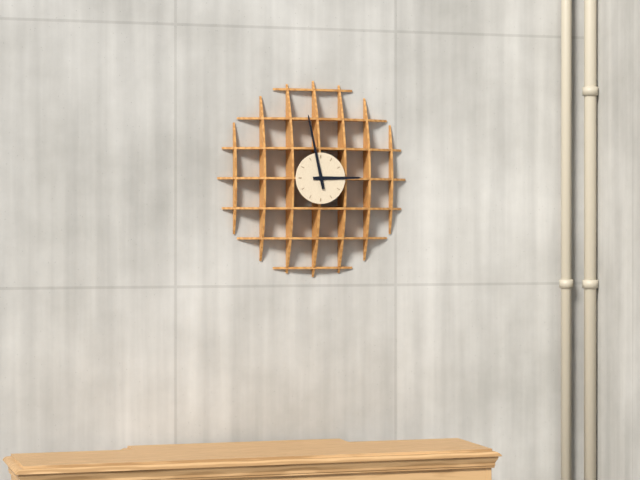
2:58
